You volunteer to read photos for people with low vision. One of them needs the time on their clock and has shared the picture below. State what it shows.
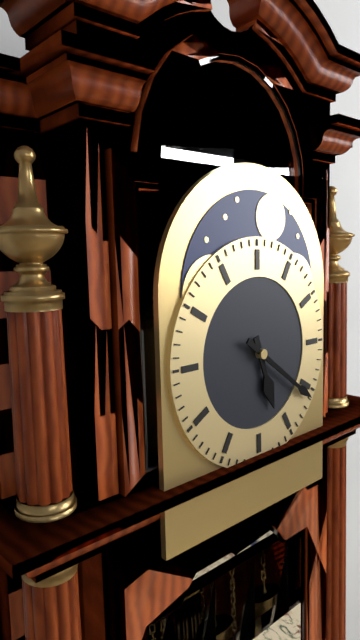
5:21
